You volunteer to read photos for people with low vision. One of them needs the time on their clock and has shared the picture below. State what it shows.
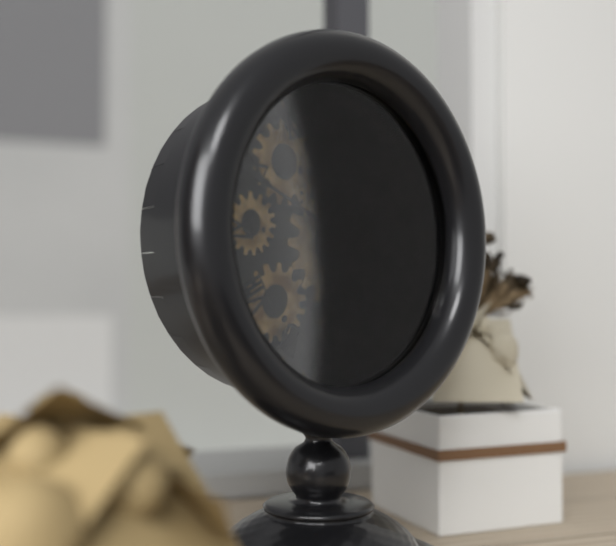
1:49
